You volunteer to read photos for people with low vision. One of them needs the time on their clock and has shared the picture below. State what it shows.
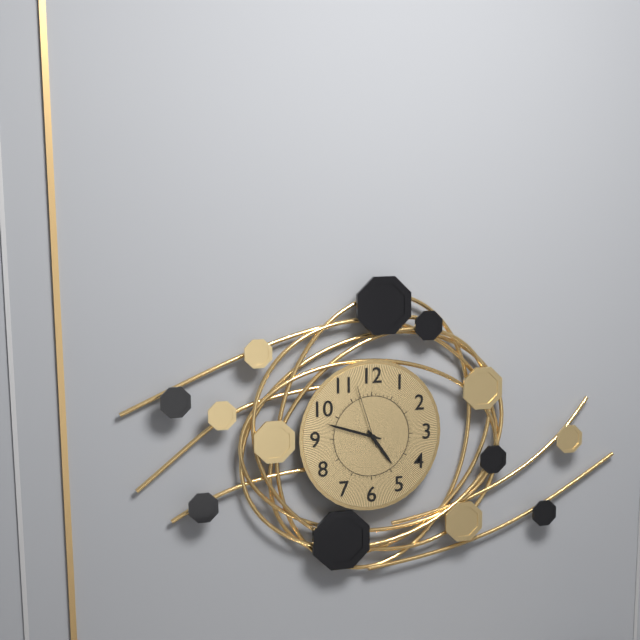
4:48:57
